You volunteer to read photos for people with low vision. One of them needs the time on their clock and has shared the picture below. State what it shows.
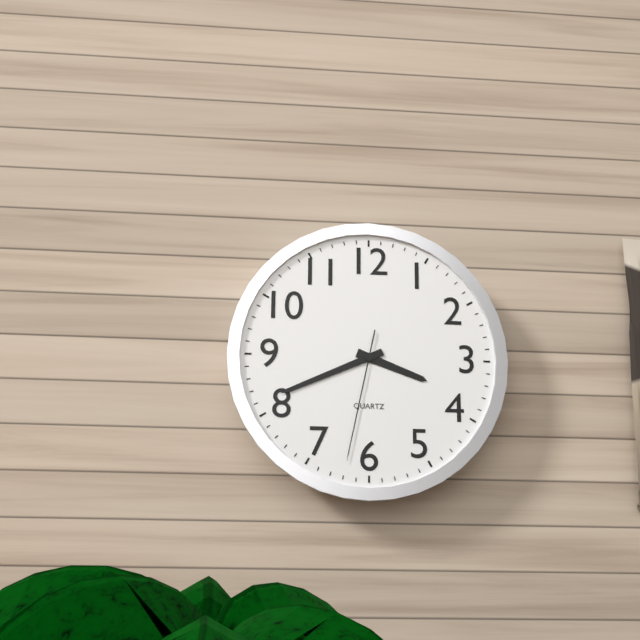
3:41:32
